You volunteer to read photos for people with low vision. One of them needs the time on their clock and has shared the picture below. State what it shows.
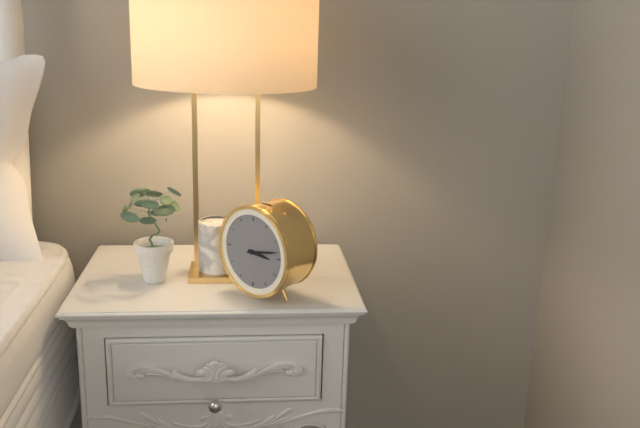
3:13
